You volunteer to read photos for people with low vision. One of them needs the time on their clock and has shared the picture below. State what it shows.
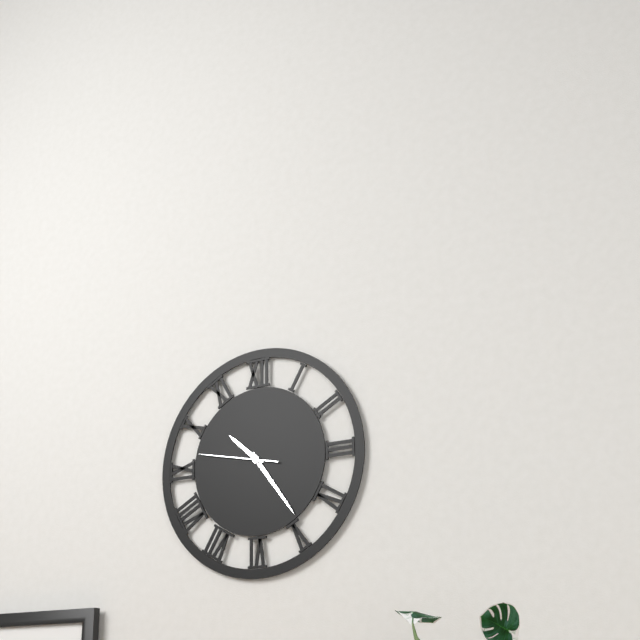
10:24:47
